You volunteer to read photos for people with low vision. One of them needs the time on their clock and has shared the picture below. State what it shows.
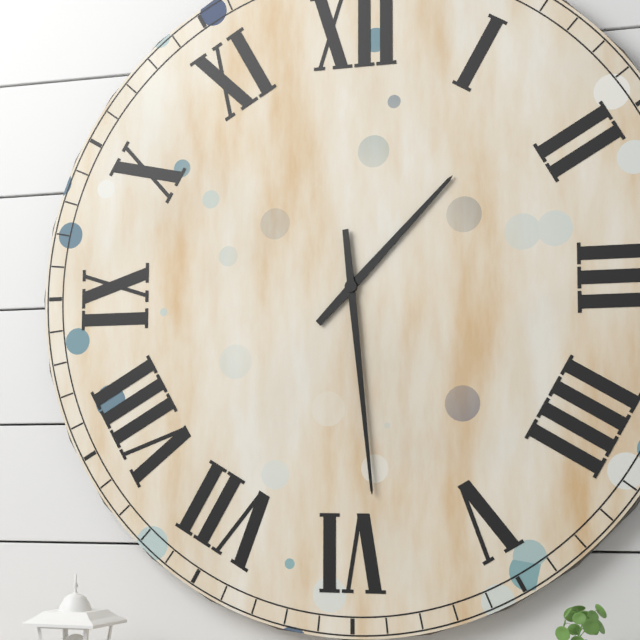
1:29
